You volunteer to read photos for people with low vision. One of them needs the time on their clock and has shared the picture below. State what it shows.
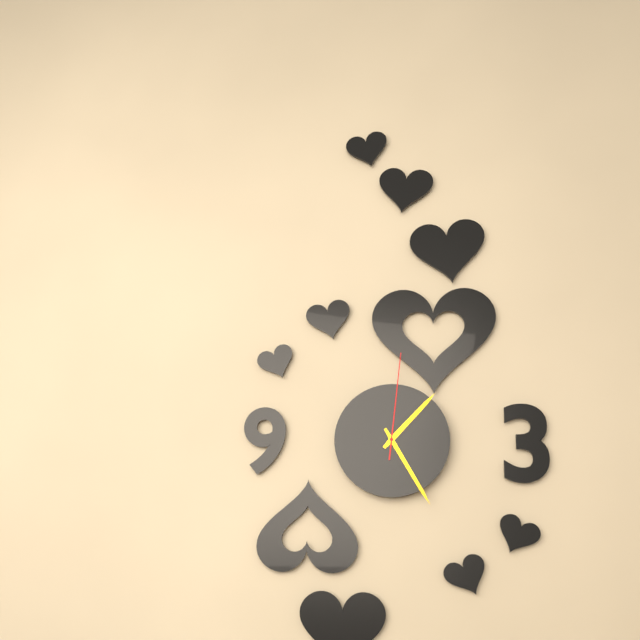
1:25:01
